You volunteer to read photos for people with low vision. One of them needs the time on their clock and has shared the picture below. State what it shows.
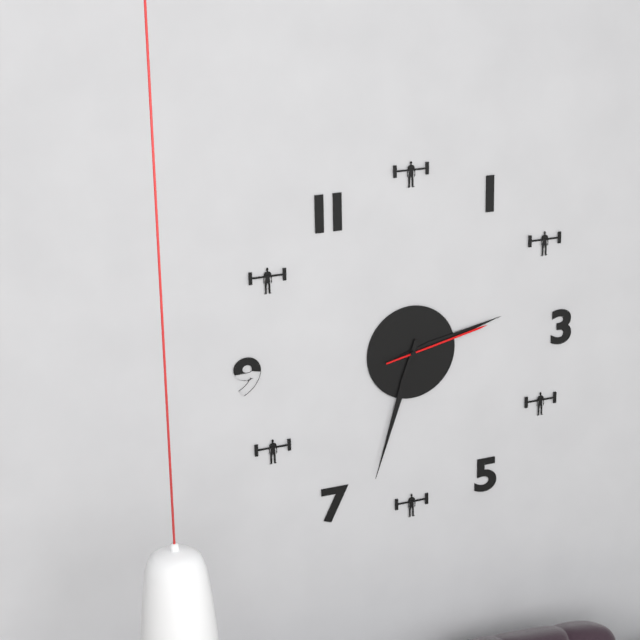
2:33:13
